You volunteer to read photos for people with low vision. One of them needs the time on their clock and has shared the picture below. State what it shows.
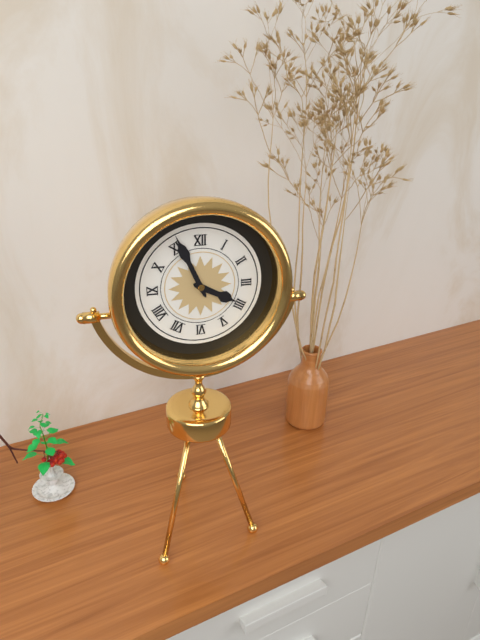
3:56
